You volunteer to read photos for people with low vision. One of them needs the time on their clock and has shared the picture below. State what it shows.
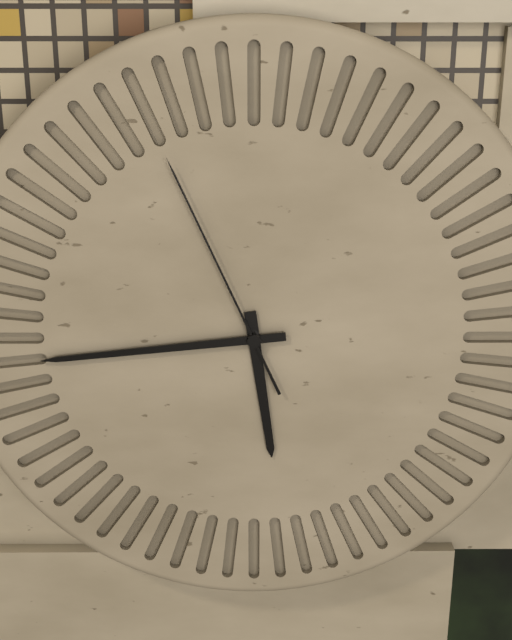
5:44:56
